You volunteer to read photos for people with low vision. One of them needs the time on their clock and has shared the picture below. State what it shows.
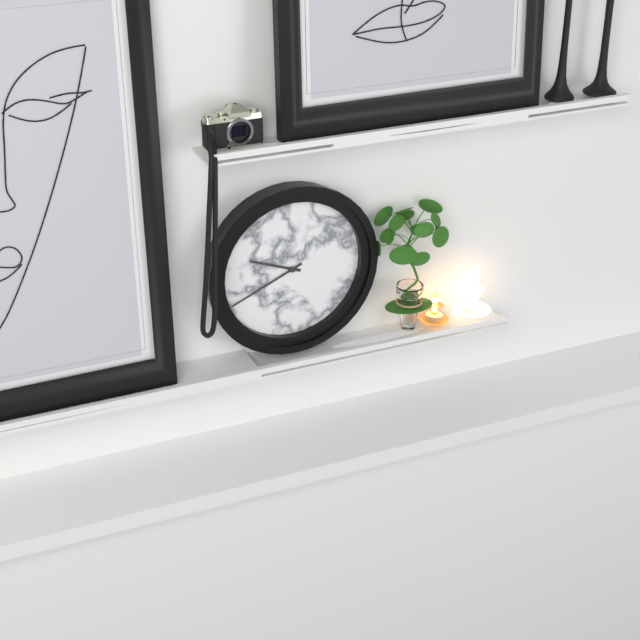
9:41
